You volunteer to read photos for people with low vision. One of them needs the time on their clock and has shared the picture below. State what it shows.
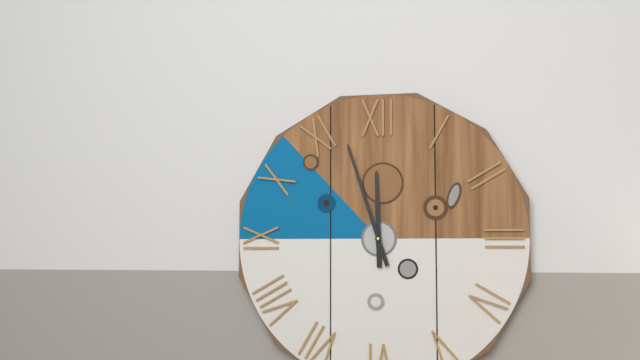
11:57
